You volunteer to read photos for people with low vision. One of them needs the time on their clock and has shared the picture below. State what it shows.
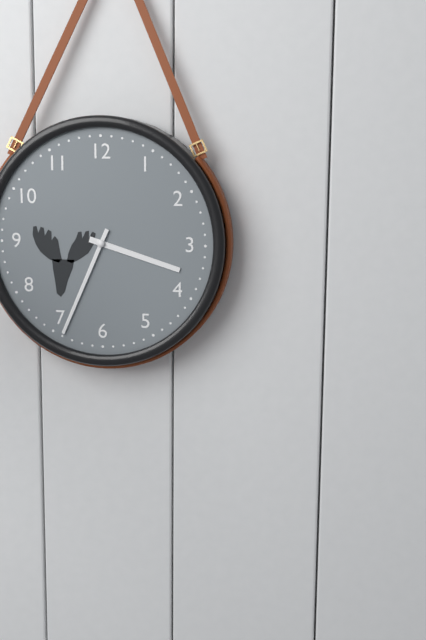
3:34
